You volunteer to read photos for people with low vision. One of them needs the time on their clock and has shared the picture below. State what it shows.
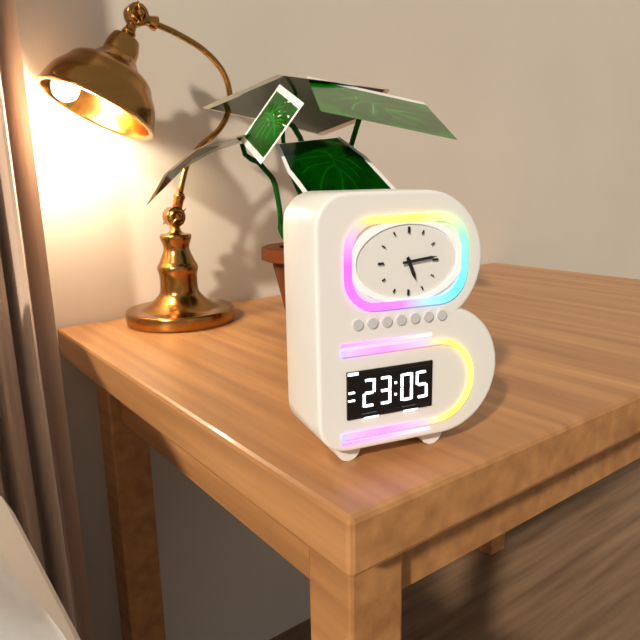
5:14
